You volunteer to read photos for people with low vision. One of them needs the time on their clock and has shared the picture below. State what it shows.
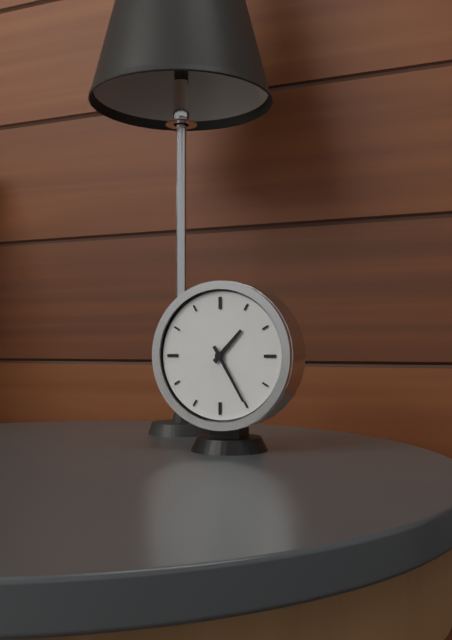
1:25
